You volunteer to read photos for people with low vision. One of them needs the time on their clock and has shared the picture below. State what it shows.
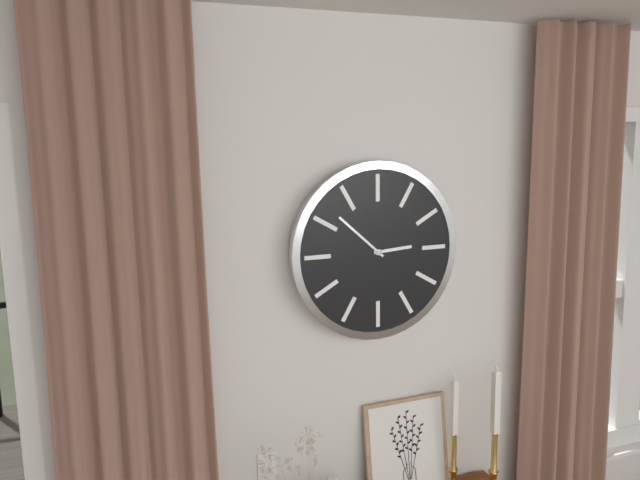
2:52
